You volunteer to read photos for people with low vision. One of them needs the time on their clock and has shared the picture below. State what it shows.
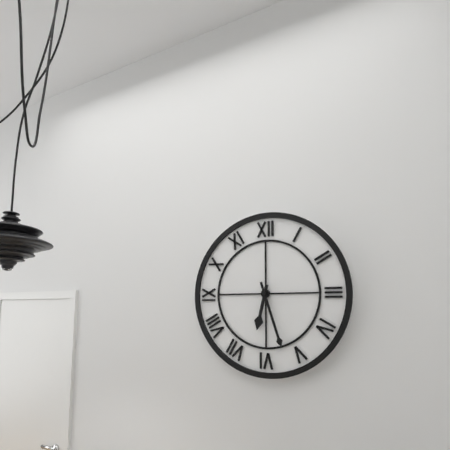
6:27
